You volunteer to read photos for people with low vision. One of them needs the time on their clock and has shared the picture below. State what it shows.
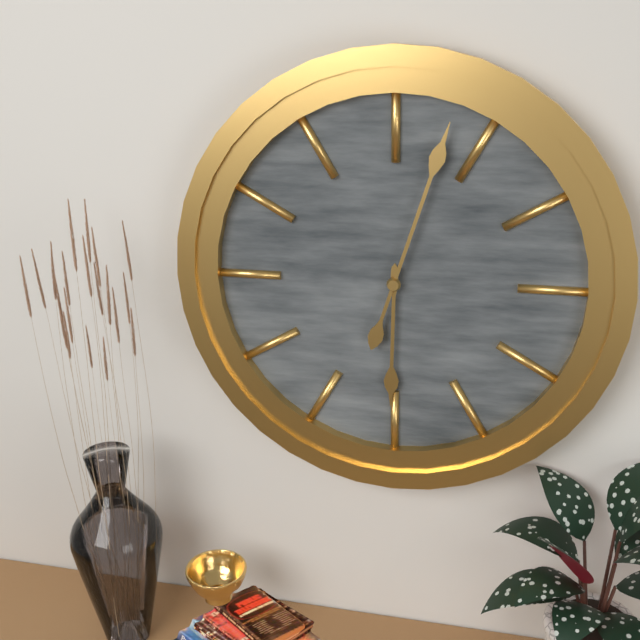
6:03
